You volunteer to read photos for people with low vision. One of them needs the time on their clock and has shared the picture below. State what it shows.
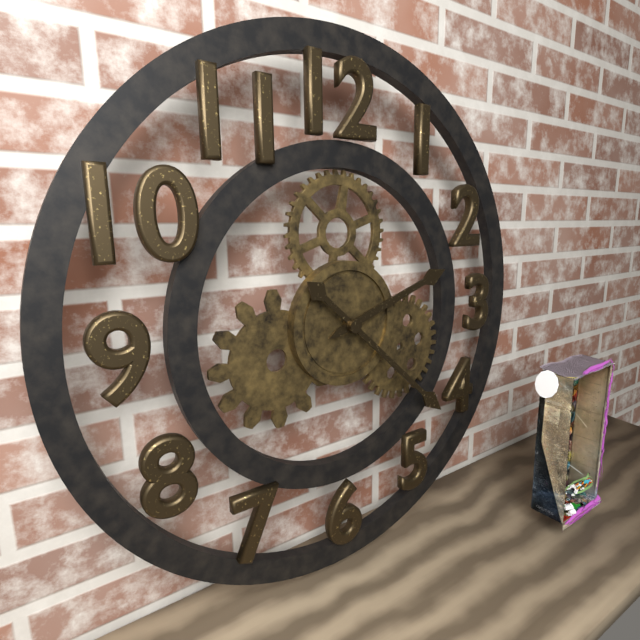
2:22
